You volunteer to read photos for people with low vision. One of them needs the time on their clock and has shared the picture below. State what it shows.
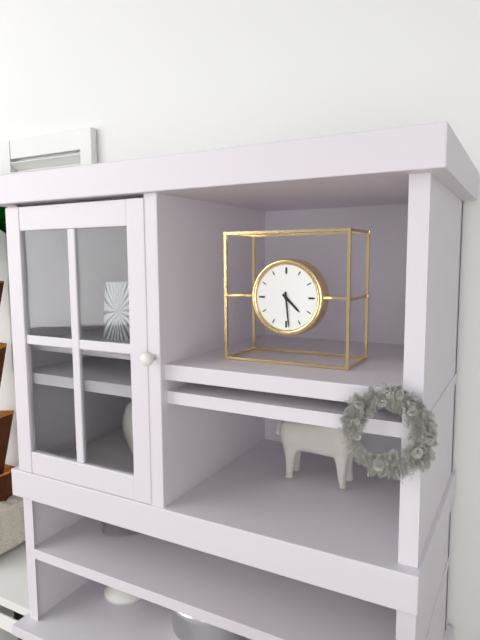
4:29
